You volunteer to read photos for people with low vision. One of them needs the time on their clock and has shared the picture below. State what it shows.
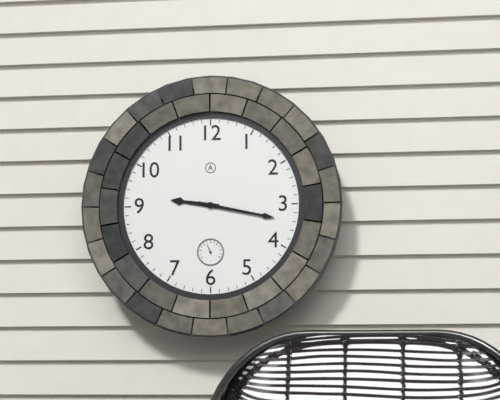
9:17
